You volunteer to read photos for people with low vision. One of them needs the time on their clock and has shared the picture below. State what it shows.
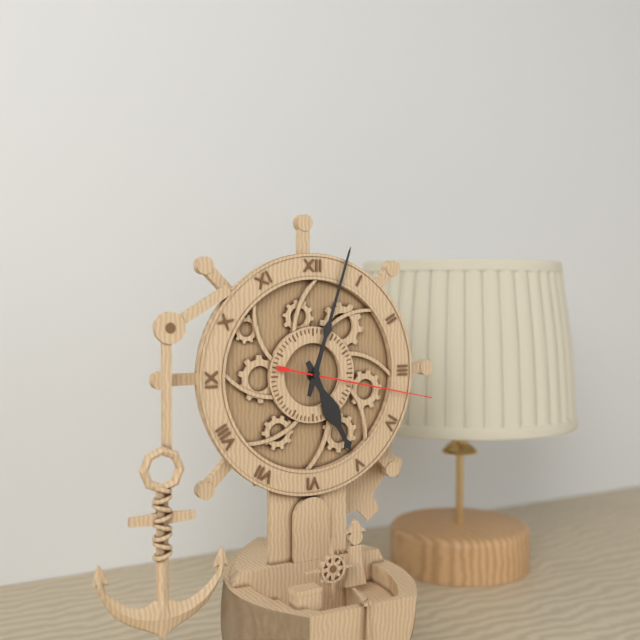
5:03:17
